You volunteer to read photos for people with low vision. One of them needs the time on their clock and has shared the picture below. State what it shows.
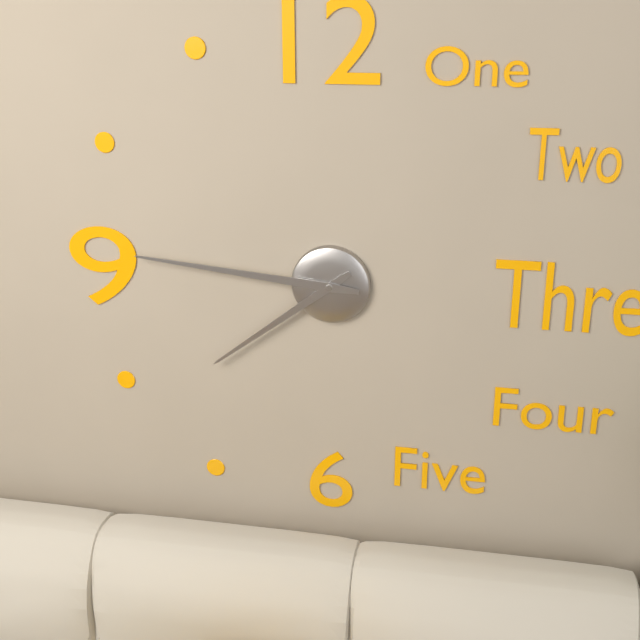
7:46
